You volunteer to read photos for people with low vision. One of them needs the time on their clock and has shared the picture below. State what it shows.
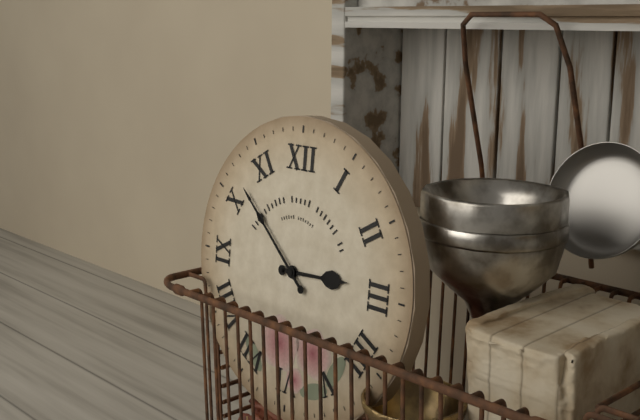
2:52
